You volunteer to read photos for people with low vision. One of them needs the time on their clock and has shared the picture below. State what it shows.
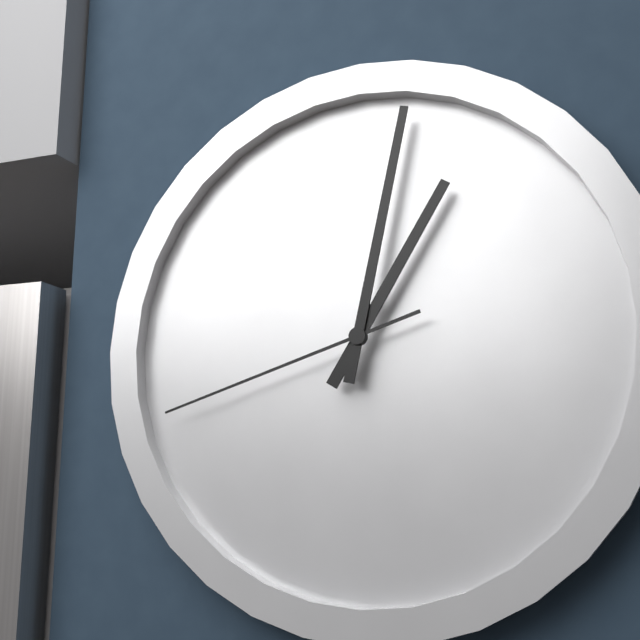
1:02:42
